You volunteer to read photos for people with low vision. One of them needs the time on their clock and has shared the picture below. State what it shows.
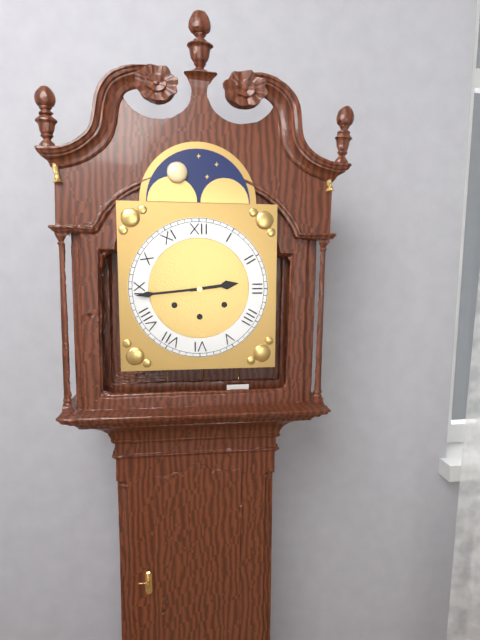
2:44
